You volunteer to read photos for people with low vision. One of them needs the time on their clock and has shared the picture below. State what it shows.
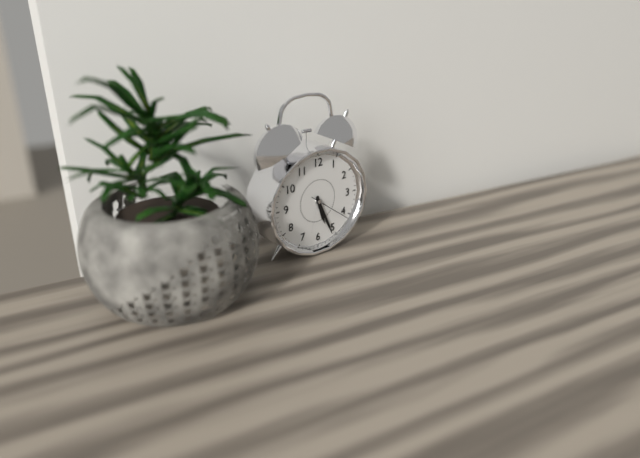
5:26
